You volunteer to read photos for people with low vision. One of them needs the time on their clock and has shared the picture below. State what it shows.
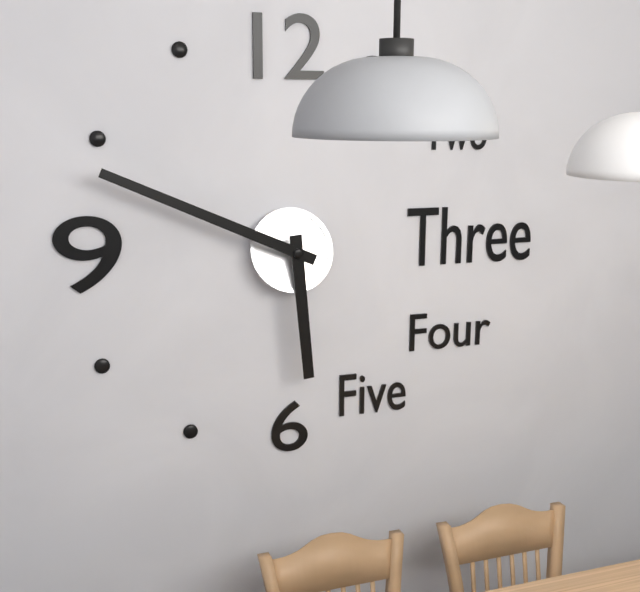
5:49
